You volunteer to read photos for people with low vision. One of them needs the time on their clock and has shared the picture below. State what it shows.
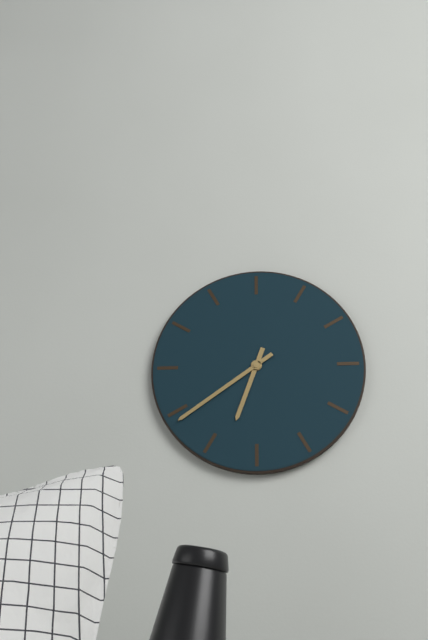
6:39
